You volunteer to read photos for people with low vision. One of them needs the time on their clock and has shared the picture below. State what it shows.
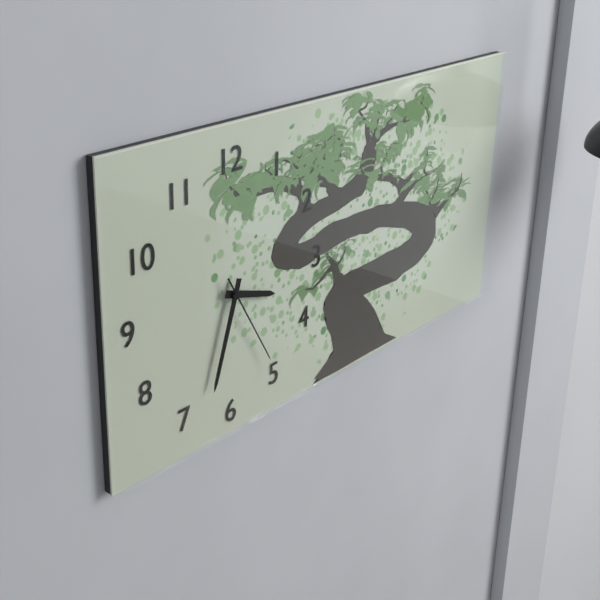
3:33:25
